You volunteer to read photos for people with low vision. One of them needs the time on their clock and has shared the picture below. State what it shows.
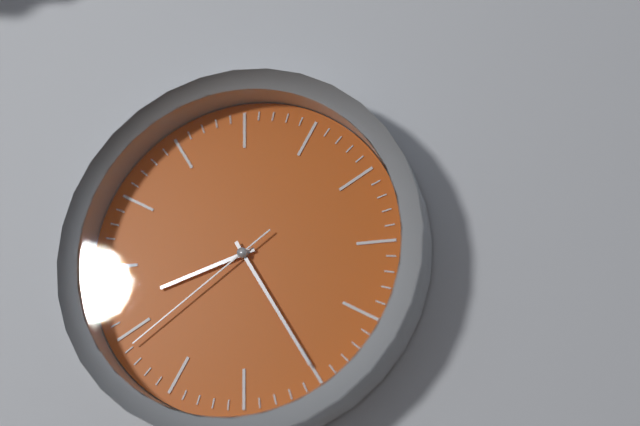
8:25:39
